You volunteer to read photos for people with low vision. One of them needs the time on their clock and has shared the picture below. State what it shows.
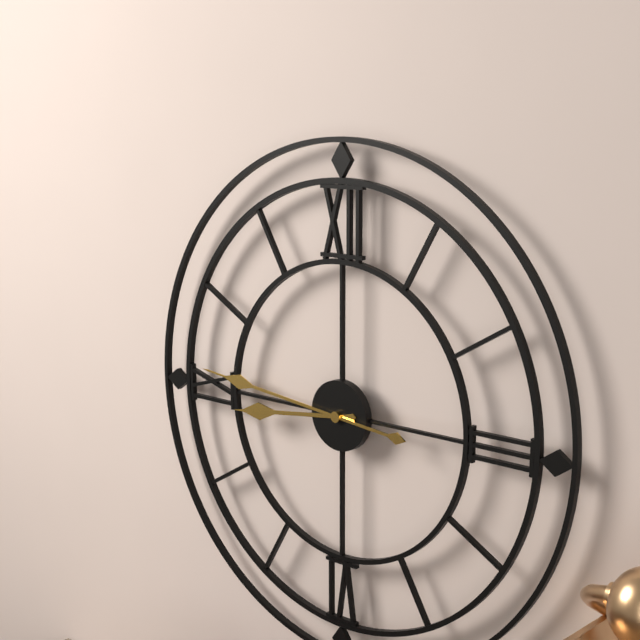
8:46
